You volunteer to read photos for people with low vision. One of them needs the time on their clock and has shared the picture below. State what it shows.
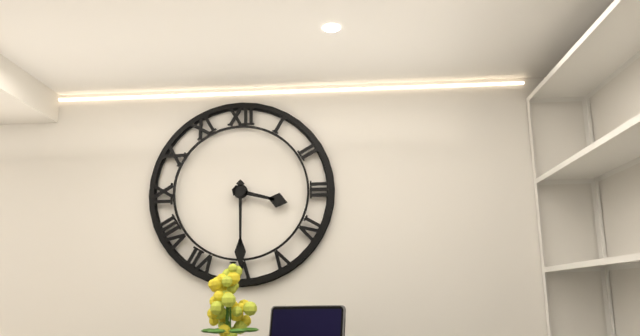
3:30
